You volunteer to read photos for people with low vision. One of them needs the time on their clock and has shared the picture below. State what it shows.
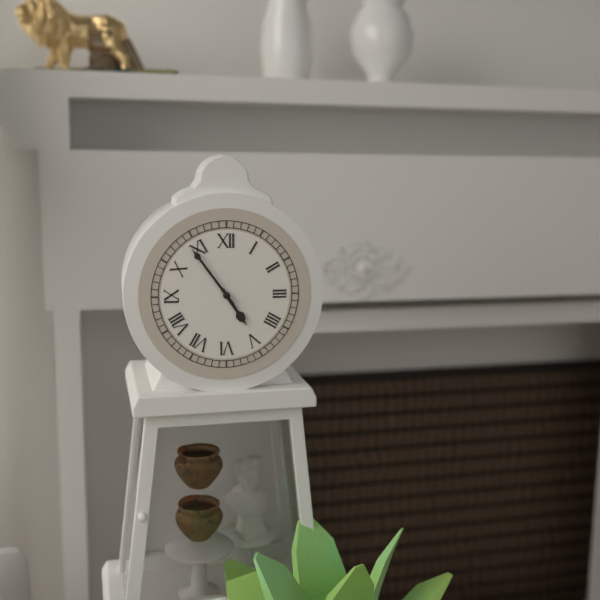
4:54
